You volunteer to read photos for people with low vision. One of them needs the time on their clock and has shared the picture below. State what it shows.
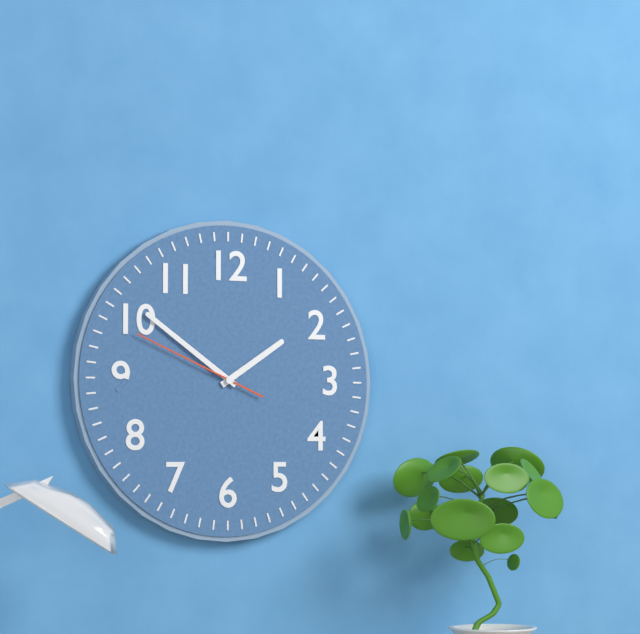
1:51:49
